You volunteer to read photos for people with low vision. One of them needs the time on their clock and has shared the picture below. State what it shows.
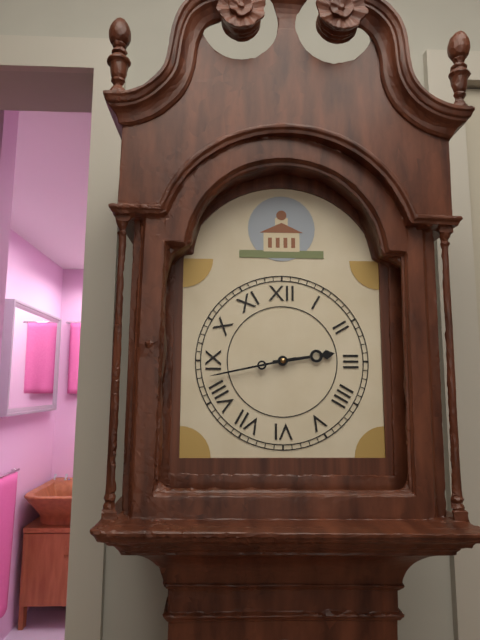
2:43
